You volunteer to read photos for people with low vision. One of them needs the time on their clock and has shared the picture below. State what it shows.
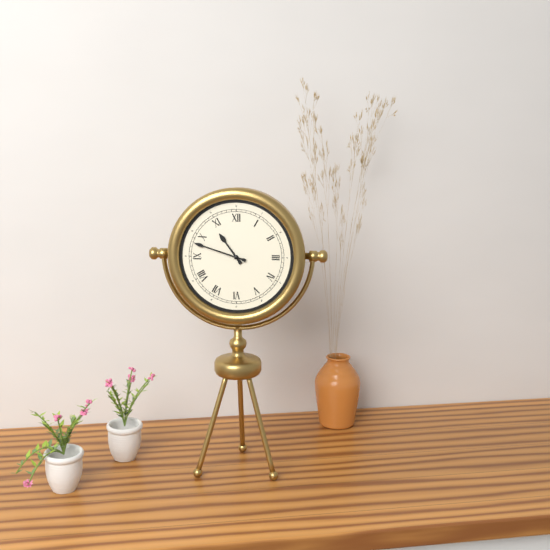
10:48
